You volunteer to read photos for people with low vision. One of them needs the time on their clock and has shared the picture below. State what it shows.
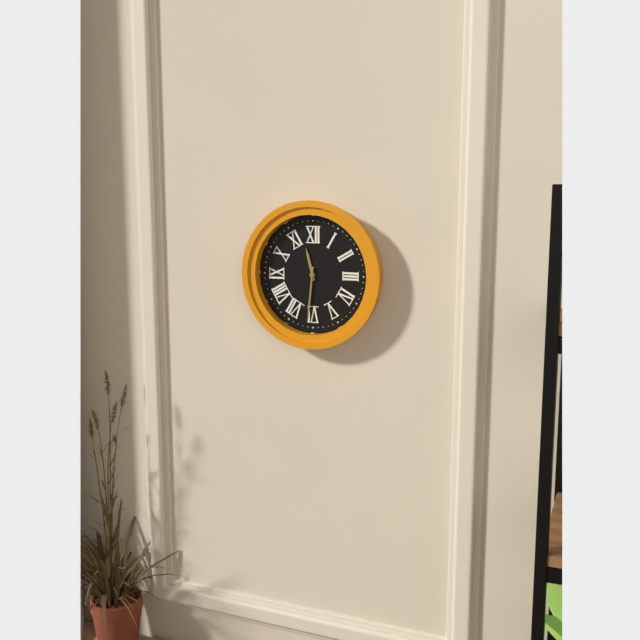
11:31
